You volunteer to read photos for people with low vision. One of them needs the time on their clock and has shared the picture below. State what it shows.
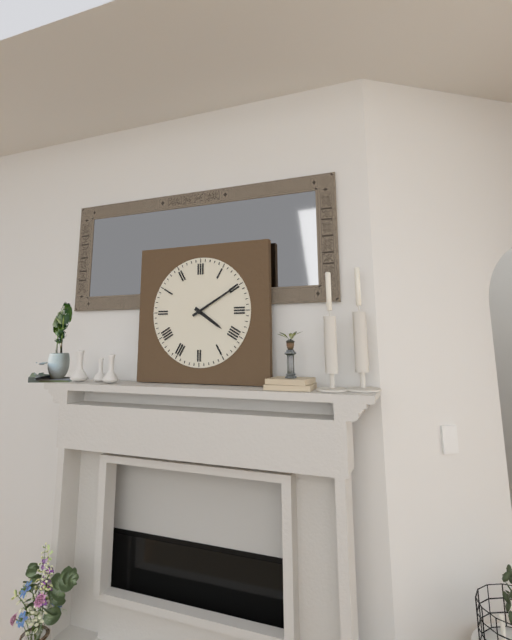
4:10
